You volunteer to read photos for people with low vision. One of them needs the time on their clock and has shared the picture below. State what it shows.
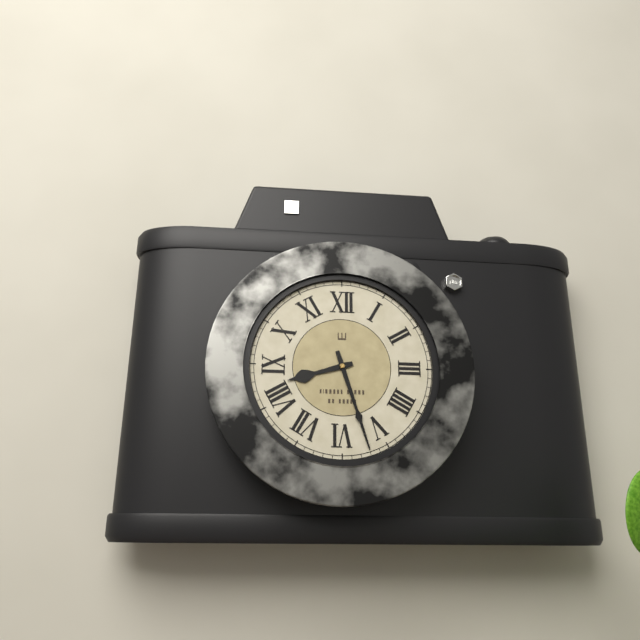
8:27
